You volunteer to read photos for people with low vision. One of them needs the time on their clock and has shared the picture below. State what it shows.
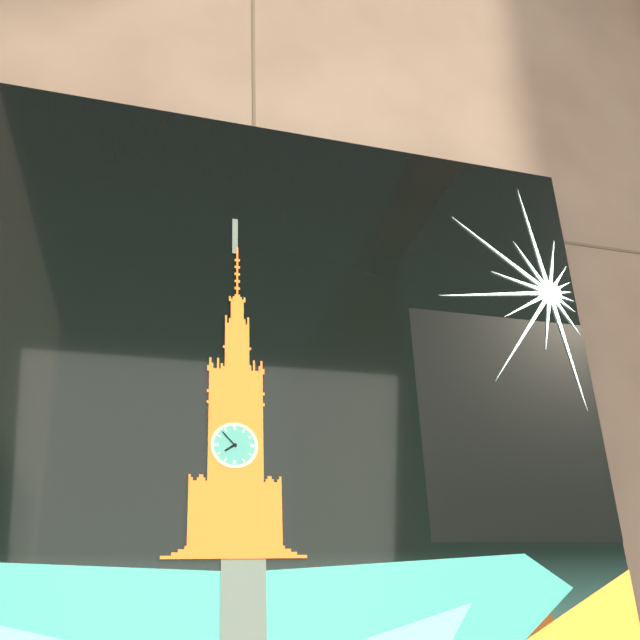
7:53
